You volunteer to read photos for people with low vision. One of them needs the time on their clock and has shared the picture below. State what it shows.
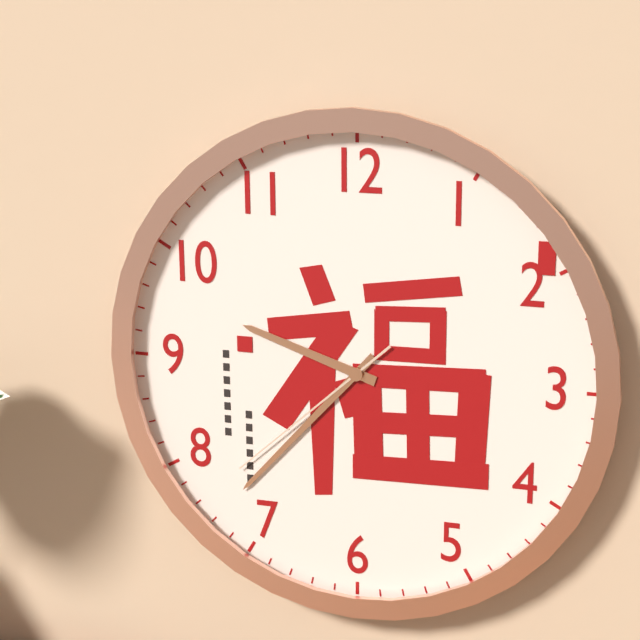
9:37:38
